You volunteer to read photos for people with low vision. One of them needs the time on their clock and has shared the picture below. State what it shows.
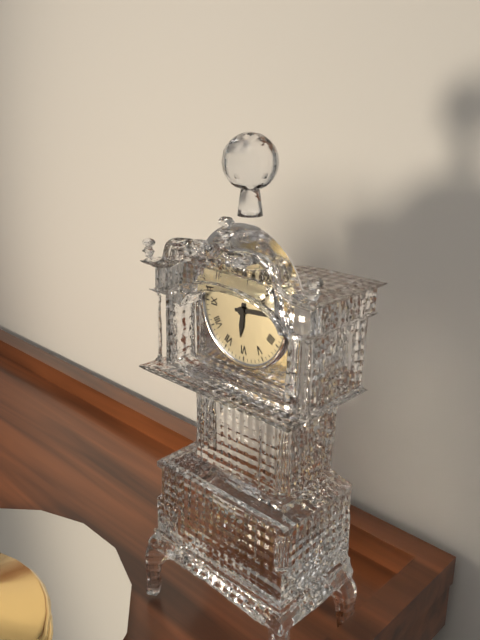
6:14
